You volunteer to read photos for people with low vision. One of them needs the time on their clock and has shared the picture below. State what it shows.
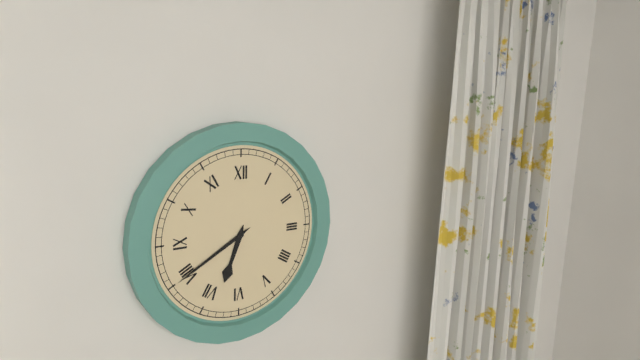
6:40
